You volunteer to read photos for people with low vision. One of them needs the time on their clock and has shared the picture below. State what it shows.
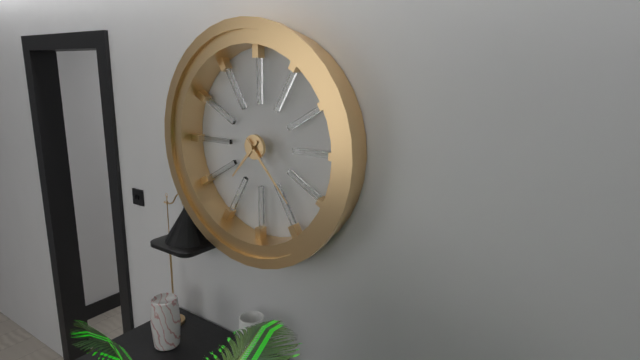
7:23
